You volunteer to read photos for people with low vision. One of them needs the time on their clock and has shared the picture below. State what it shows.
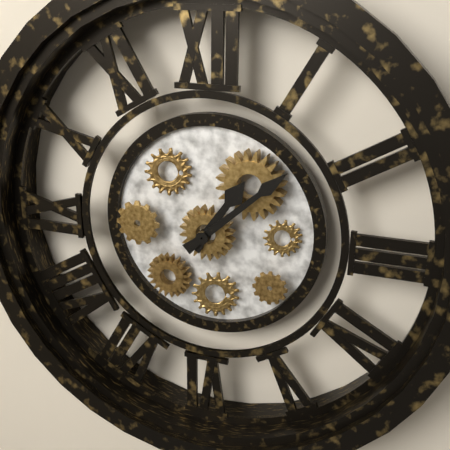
1:08
